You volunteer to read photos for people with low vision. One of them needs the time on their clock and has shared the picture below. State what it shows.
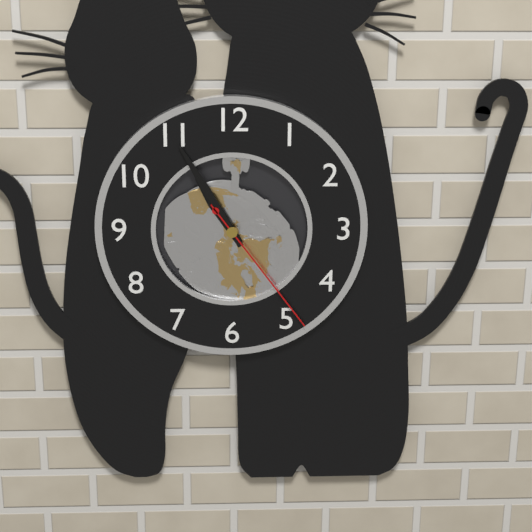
10:55:24
